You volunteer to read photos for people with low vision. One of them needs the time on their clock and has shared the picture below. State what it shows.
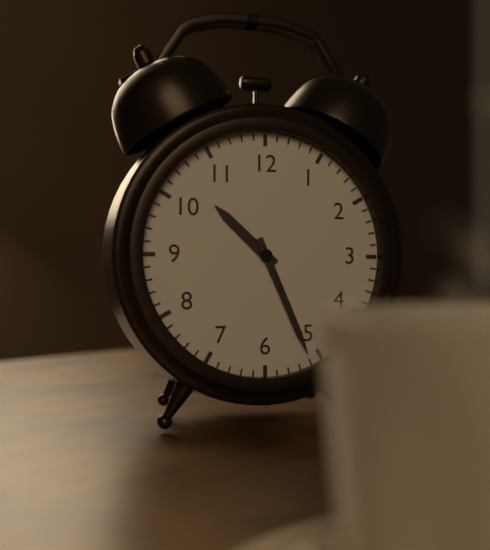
10:26
